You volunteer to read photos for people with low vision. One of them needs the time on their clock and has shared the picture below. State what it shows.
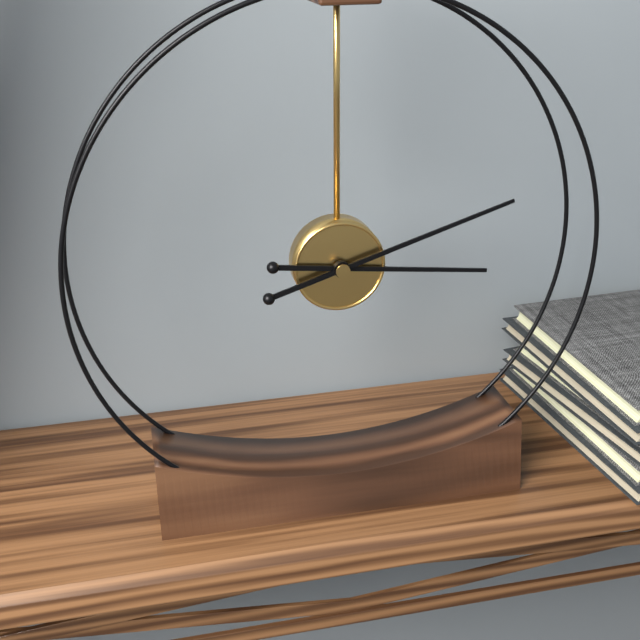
3:12
